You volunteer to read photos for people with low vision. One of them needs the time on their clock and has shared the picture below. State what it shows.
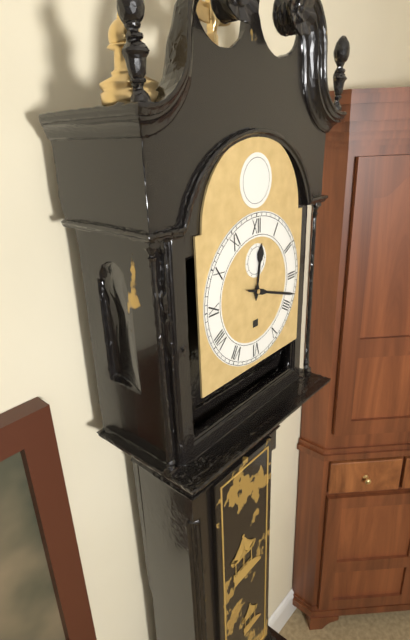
12:18
